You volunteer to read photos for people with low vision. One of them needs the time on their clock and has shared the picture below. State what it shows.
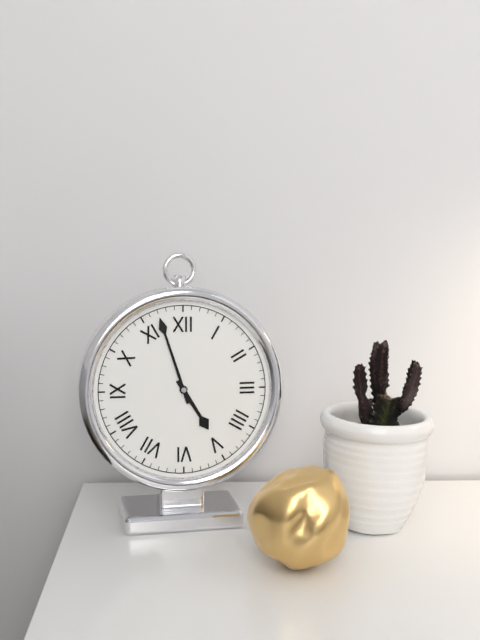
4:57
